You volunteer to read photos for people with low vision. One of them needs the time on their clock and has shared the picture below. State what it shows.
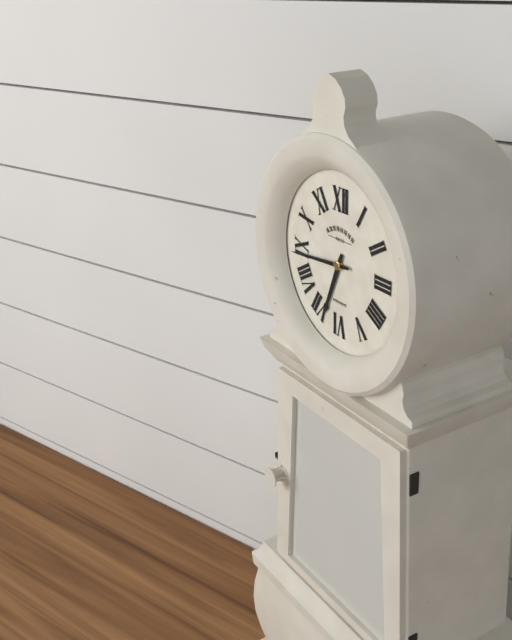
6:44
